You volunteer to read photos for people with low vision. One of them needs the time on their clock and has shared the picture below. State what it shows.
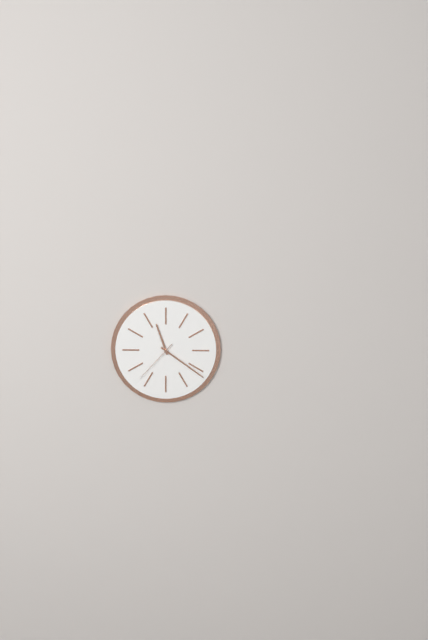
11:21:37
